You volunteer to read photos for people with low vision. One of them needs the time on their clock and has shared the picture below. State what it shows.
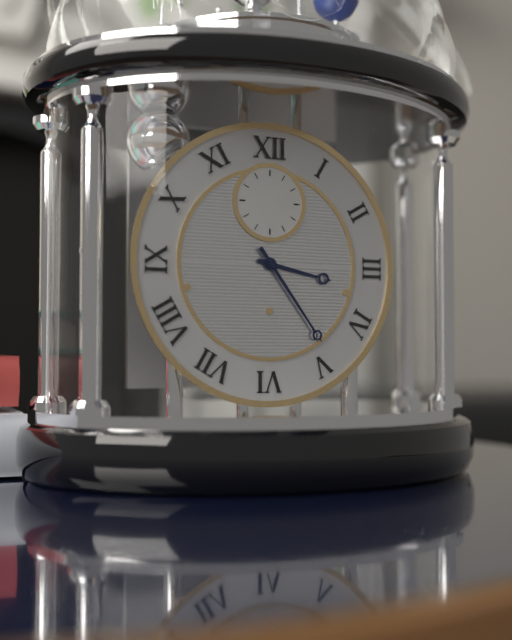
3:24
